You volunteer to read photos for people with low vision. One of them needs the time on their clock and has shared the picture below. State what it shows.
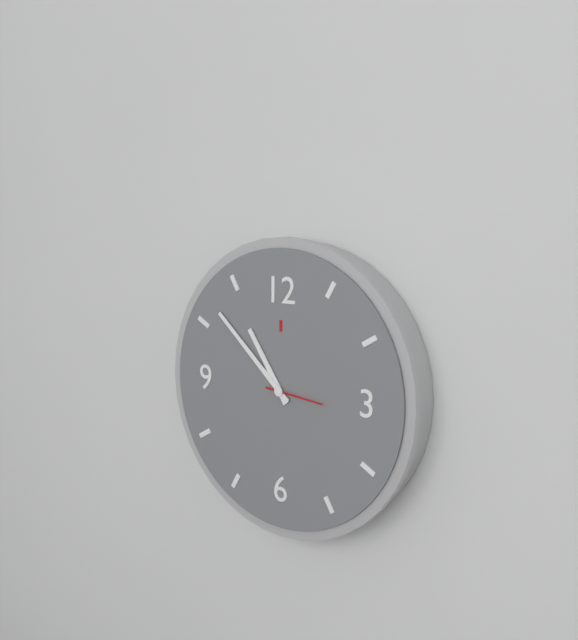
10:52:16
